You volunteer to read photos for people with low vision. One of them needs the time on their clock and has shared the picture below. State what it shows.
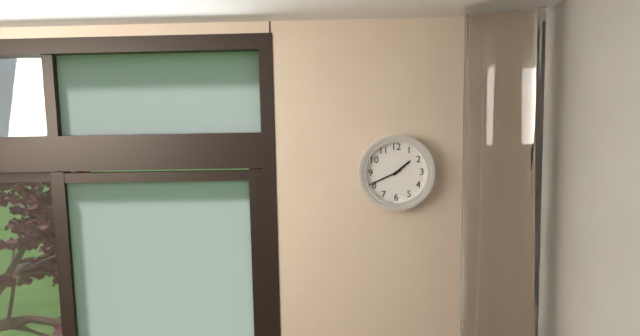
1:41
